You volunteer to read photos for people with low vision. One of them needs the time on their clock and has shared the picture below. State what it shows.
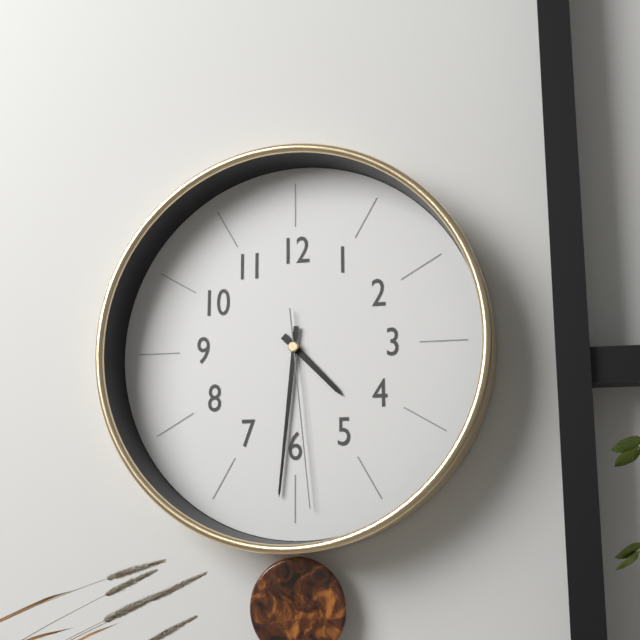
4:31:29
